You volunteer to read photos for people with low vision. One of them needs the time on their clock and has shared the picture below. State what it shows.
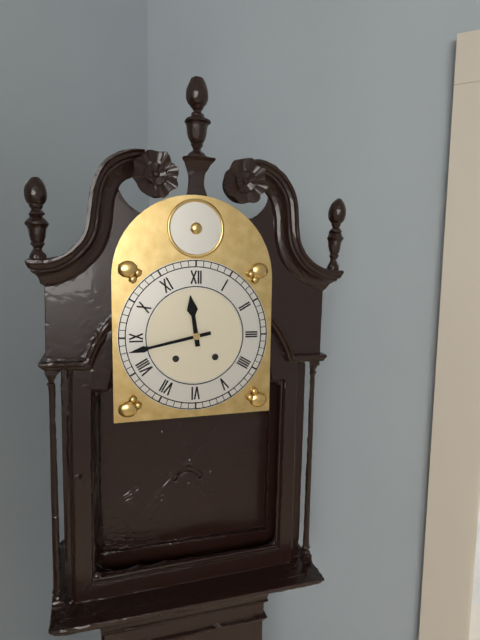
11:43
